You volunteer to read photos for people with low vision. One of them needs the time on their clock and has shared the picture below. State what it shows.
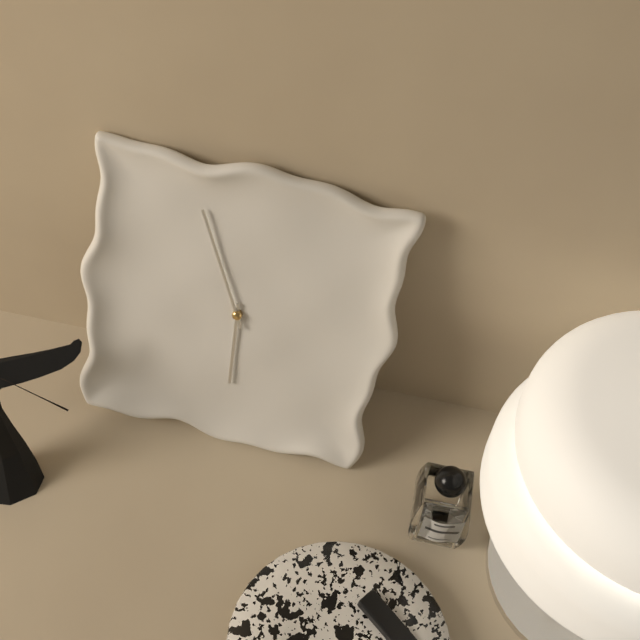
5:56
